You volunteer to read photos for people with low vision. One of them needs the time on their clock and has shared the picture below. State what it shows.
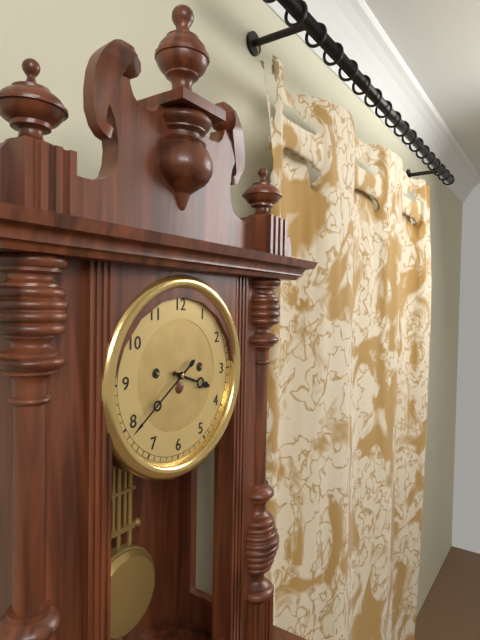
3:39
